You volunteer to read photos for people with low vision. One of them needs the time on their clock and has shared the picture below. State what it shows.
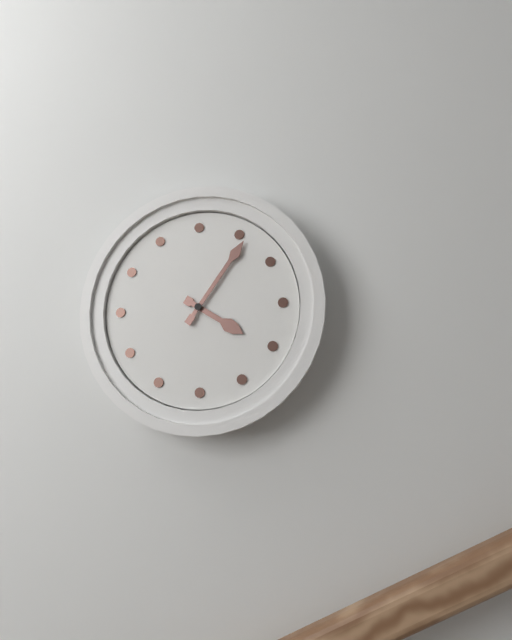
4:06
